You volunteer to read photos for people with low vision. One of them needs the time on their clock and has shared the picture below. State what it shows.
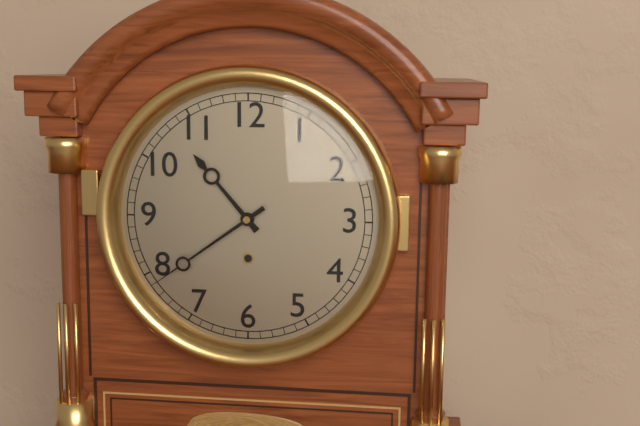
10:39
